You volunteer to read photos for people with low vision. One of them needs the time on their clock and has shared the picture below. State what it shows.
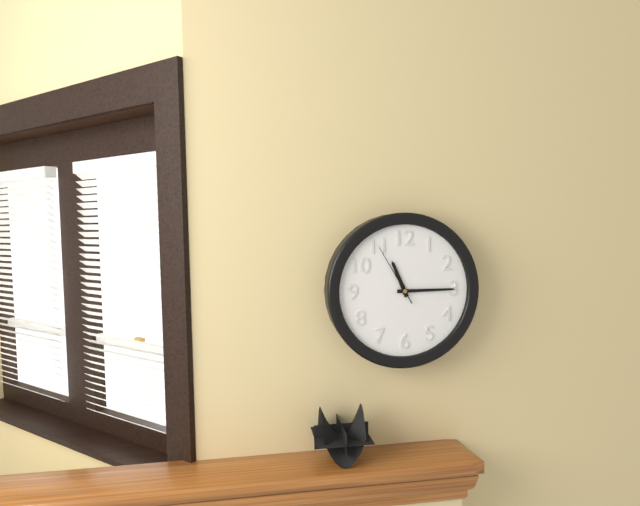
11:15:55
